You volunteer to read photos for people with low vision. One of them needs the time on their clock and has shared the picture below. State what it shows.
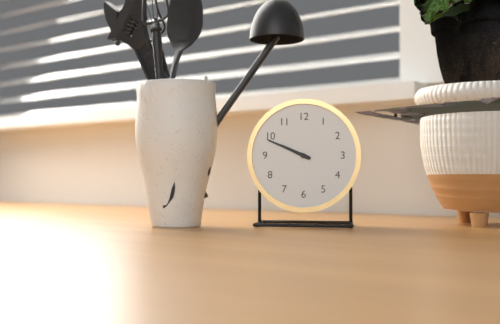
9:49
